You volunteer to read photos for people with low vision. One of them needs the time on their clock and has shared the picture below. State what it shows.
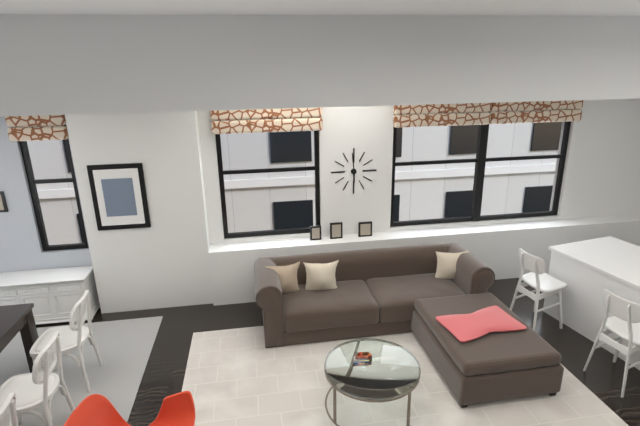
5:59
